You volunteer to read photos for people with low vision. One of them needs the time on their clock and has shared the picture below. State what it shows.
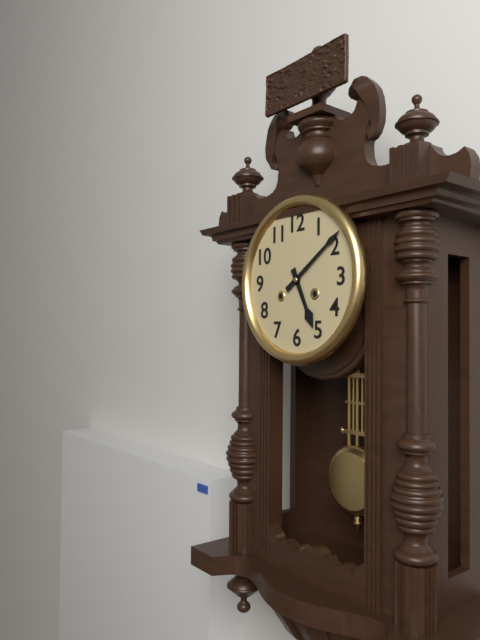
5:09
